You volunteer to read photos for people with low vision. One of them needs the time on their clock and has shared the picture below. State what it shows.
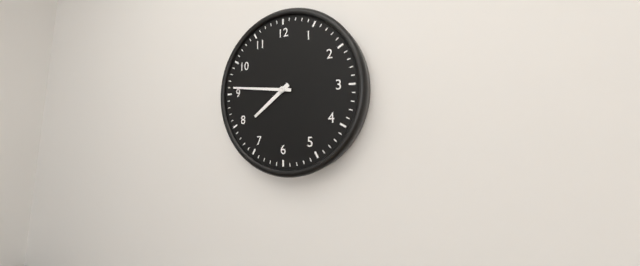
7:46
